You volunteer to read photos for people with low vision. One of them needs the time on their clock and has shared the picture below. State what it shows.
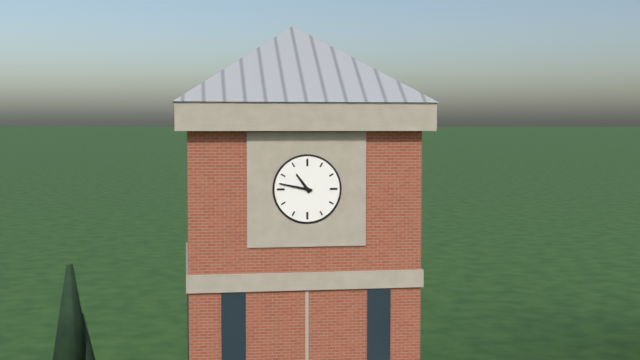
10:47
